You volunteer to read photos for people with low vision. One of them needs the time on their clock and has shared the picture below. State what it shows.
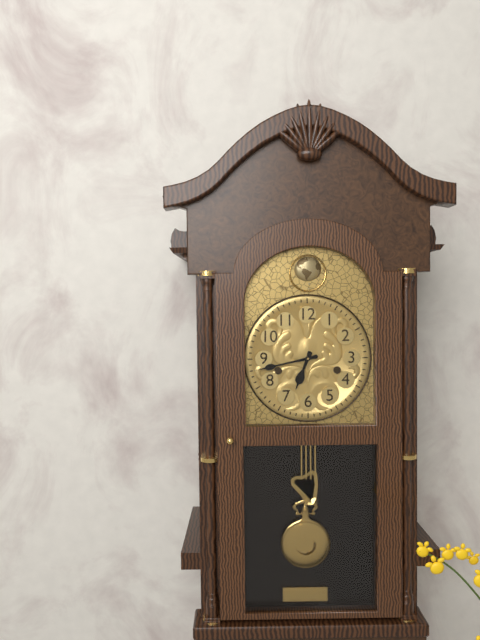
6:43
